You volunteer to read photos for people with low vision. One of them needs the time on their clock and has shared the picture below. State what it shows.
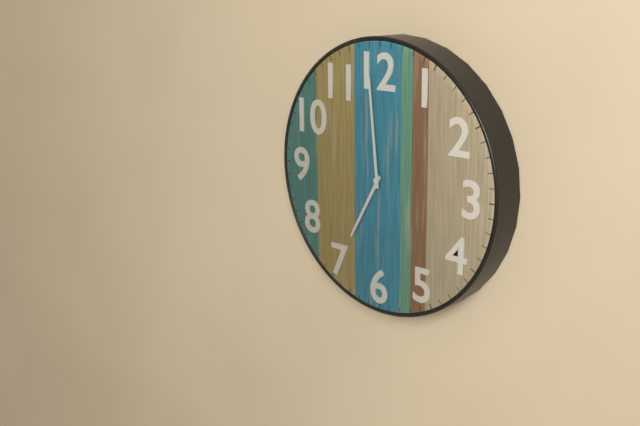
6:59
